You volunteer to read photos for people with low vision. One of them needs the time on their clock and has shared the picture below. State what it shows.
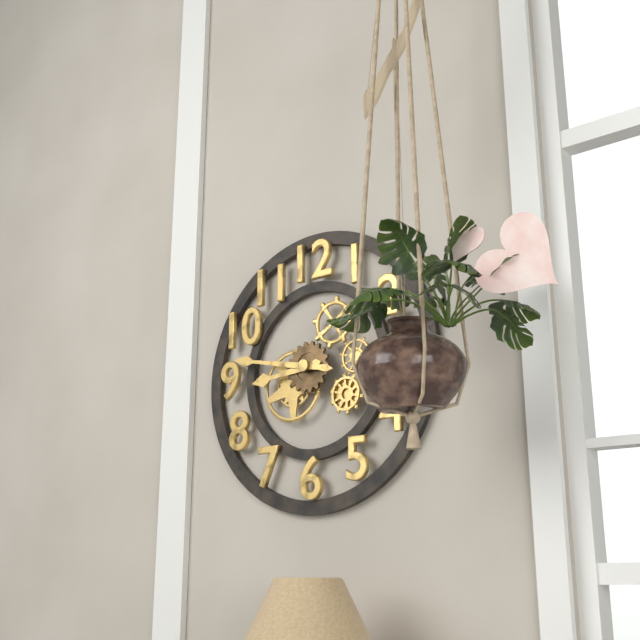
8:47
